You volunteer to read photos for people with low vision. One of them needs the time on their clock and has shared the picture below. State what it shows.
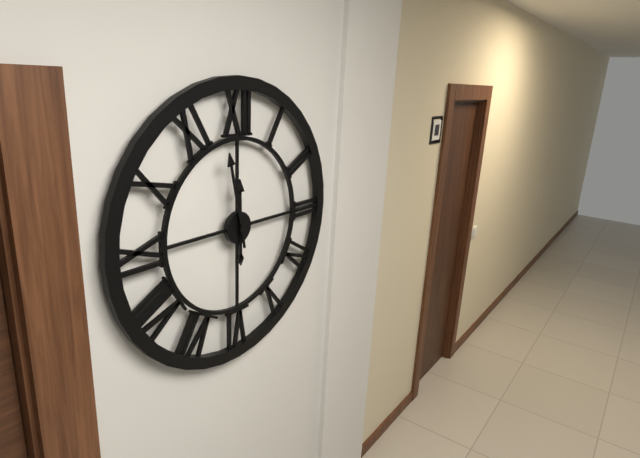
11:58
